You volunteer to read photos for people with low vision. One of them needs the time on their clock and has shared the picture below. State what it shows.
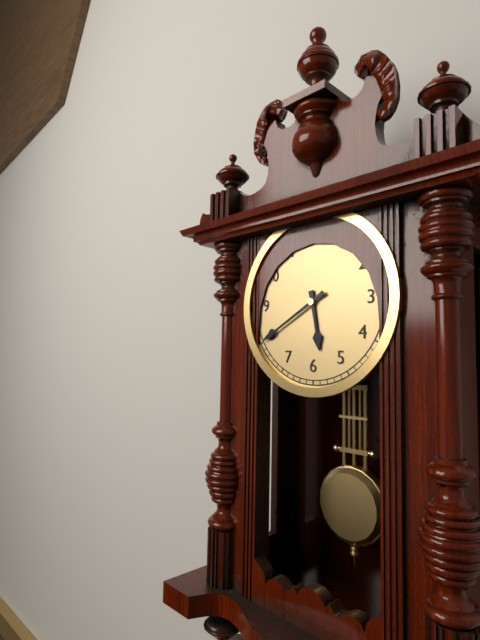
5:40
